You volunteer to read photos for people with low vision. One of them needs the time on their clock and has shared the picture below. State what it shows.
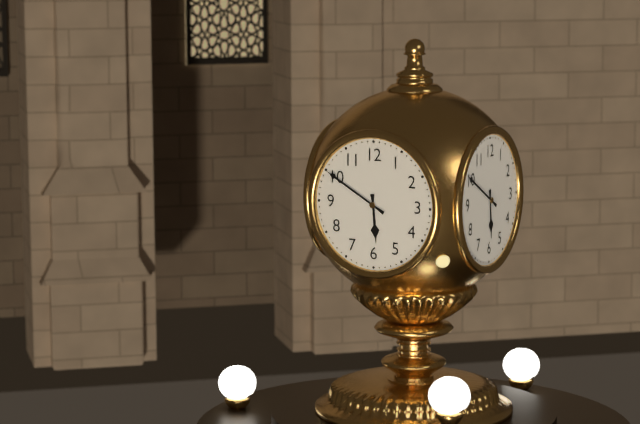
5:50
